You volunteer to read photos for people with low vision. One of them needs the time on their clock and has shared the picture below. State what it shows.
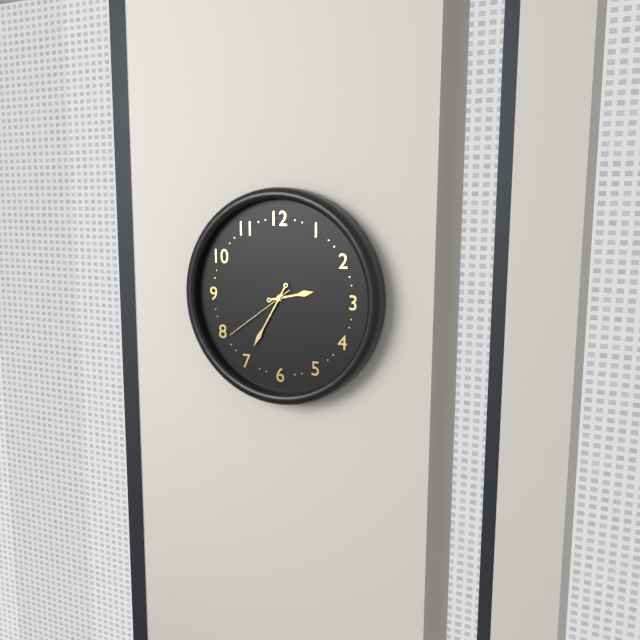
2:35:39
